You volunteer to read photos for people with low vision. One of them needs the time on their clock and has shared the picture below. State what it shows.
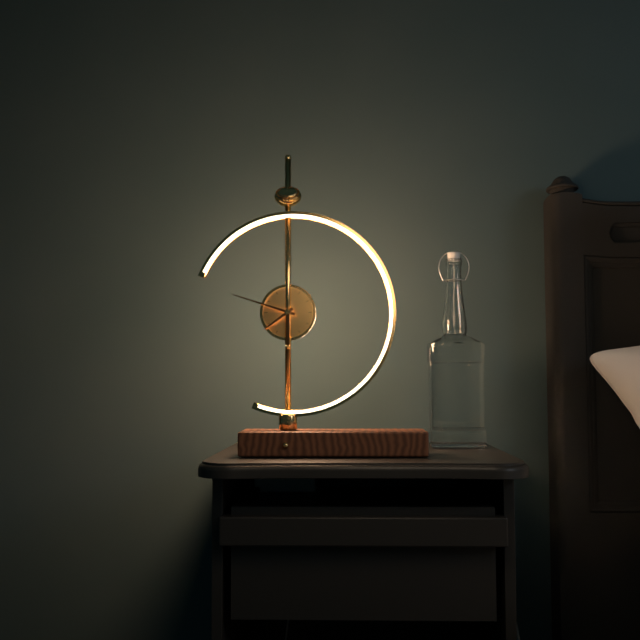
7:48
